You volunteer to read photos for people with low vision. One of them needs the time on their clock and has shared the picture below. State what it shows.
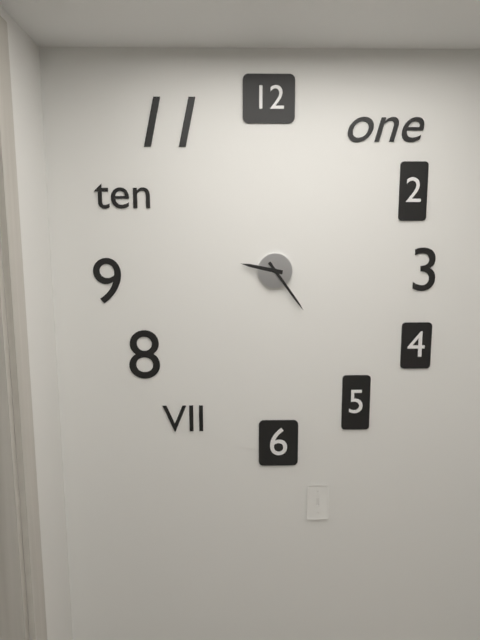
9:24
